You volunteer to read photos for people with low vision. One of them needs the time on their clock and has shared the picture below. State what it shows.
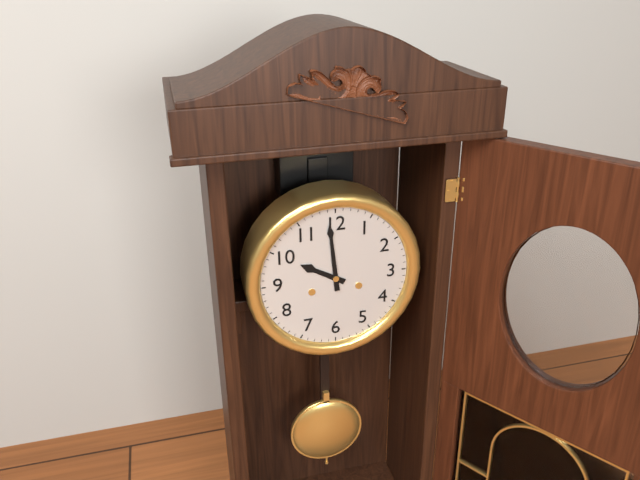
9:59
